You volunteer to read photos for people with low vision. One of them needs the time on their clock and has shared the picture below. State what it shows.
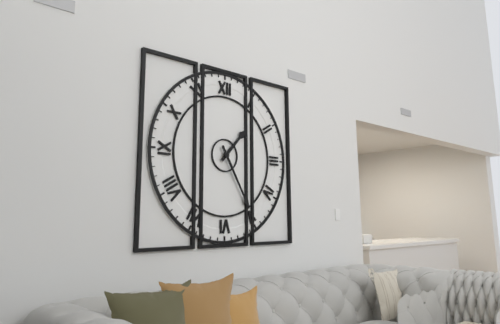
1:25
